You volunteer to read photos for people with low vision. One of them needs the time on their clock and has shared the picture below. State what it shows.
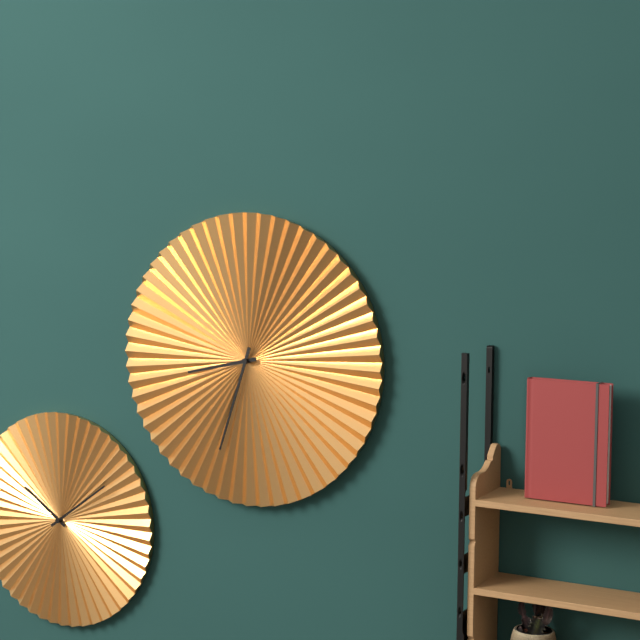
8:33
